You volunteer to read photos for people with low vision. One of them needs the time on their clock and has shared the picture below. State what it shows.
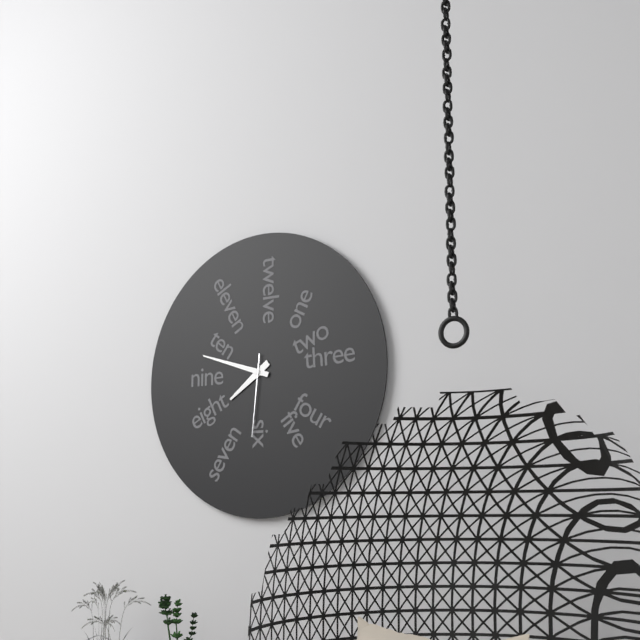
7:48:31
